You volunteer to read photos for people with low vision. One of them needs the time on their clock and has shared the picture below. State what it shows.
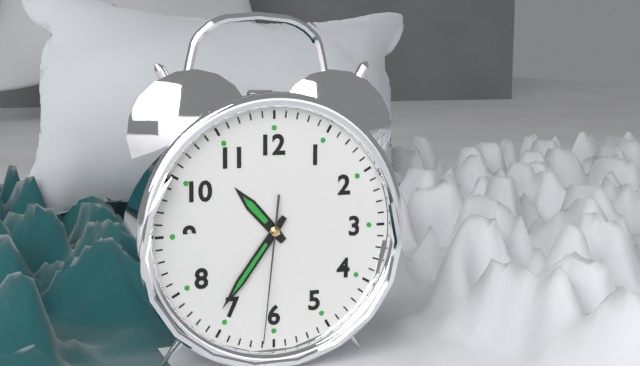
10:36:31
